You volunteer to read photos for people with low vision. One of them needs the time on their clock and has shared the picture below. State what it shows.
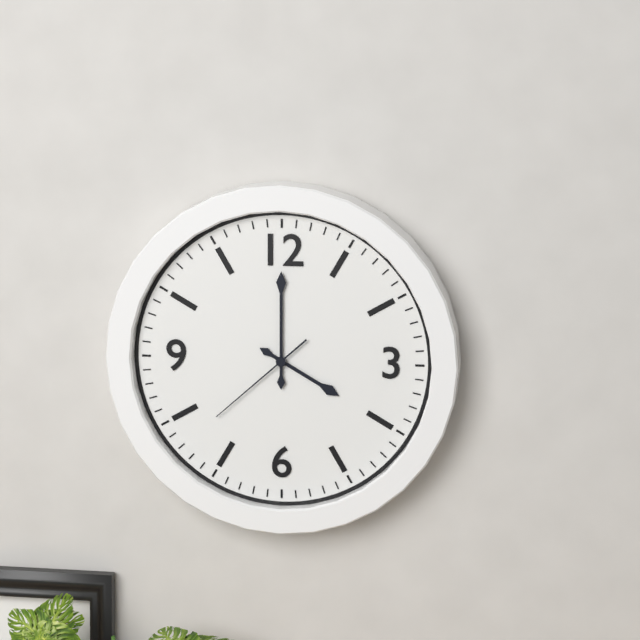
4:00:38
